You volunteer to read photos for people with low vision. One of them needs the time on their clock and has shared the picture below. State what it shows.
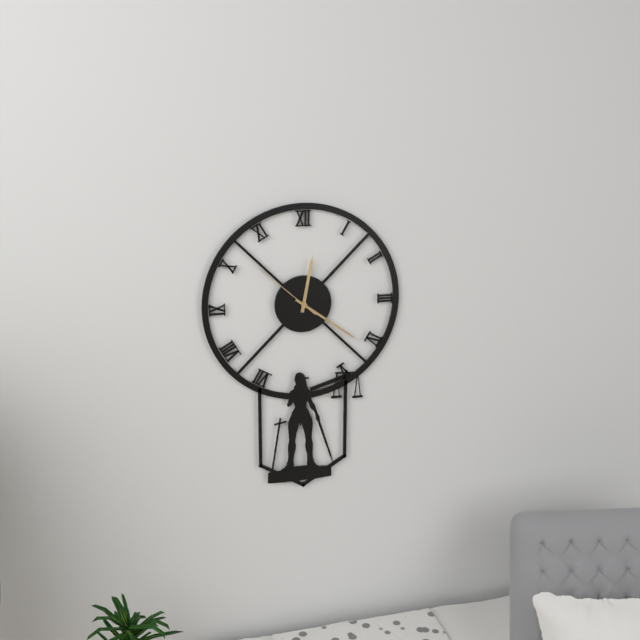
12:21:52
